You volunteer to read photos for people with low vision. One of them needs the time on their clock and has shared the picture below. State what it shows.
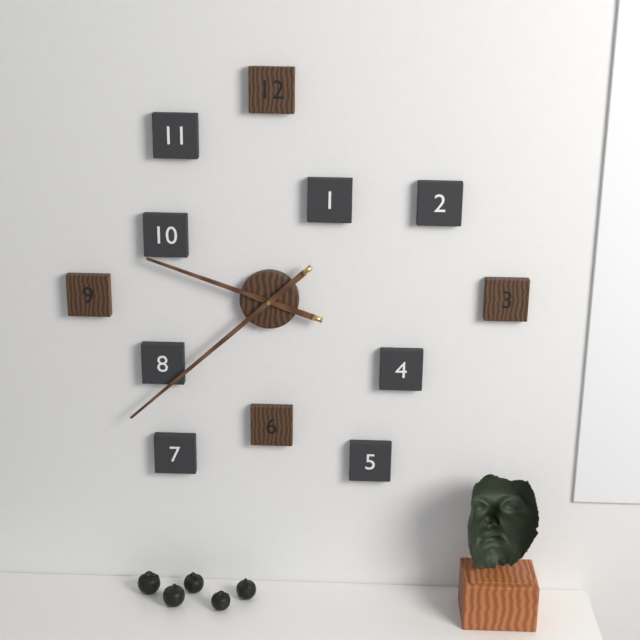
9:38
